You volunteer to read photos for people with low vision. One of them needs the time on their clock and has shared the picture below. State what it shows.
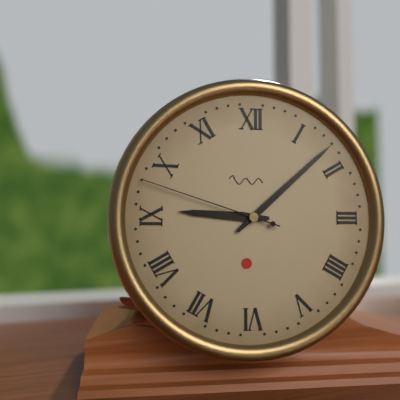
9:08:48
